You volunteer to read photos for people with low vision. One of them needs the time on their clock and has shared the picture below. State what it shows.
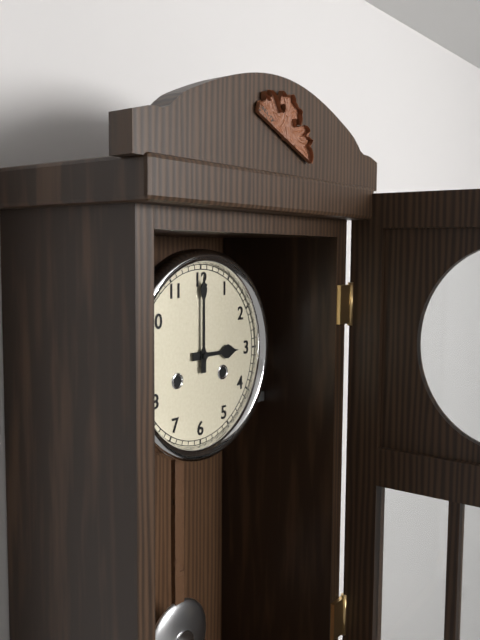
3:00
